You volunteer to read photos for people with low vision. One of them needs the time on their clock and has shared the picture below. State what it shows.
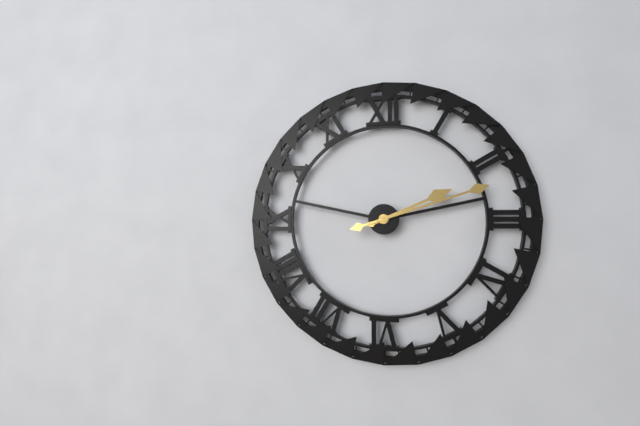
2:12
